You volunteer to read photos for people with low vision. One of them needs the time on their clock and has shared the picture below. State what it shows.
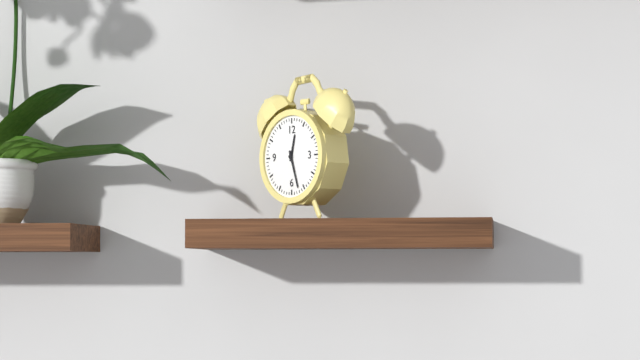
12:27
